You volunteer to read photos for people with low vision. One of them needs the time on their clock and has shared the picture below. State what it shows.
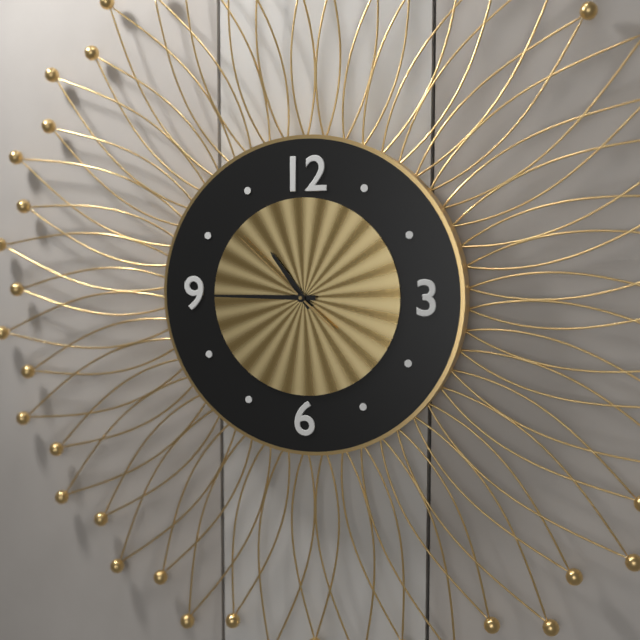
10:45:52
